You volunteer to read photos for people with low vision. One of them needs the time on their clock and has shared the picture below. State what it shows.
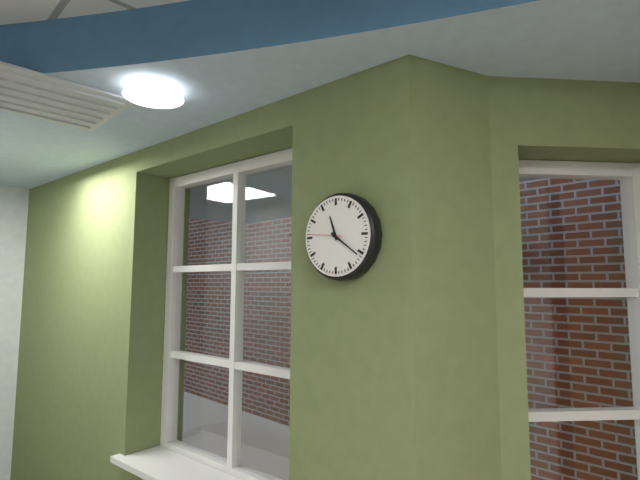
11:21
